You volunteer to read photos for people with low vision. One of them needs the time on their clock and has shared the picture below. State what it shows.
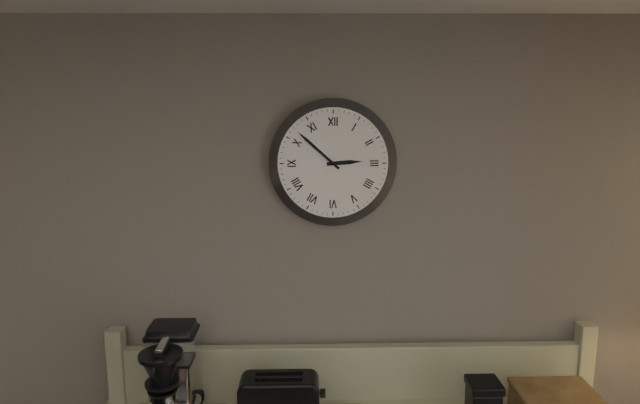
2:52
